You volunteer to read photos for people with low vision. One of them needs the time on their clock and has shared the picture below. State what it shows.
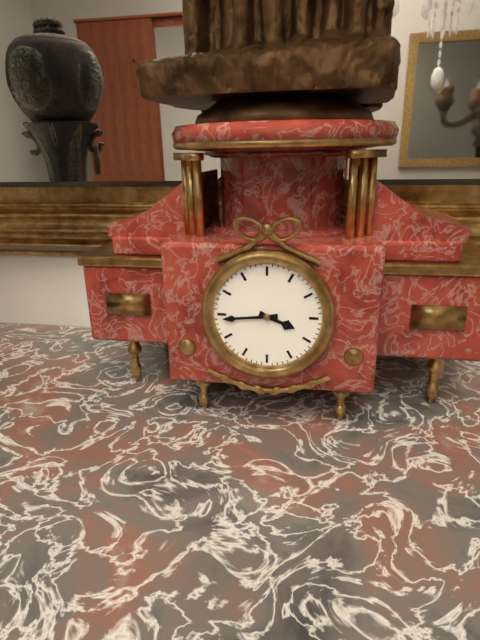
3:44
